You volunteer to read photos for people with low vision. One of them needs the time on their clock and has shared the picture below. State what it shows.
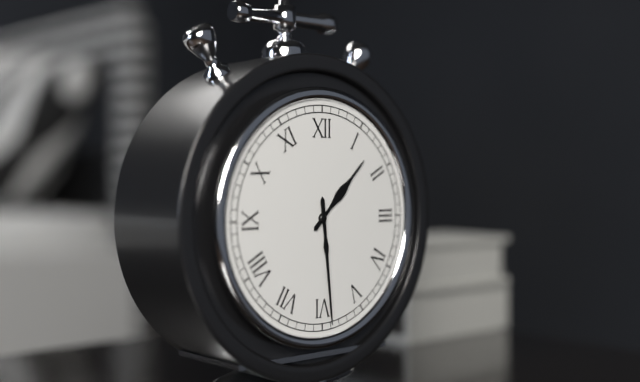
1:29
